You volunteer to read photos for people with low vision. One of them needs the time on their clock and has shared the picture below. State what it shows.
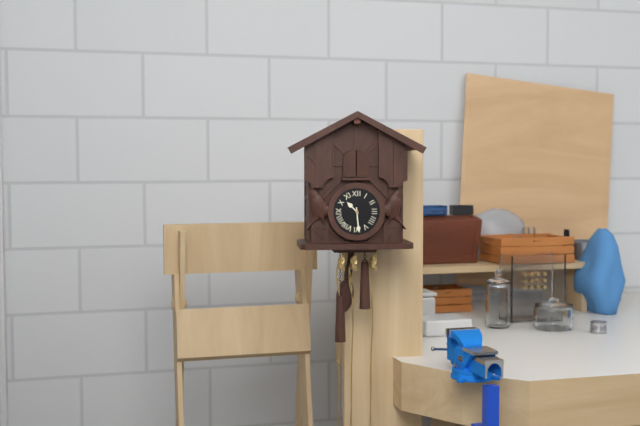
10:29
